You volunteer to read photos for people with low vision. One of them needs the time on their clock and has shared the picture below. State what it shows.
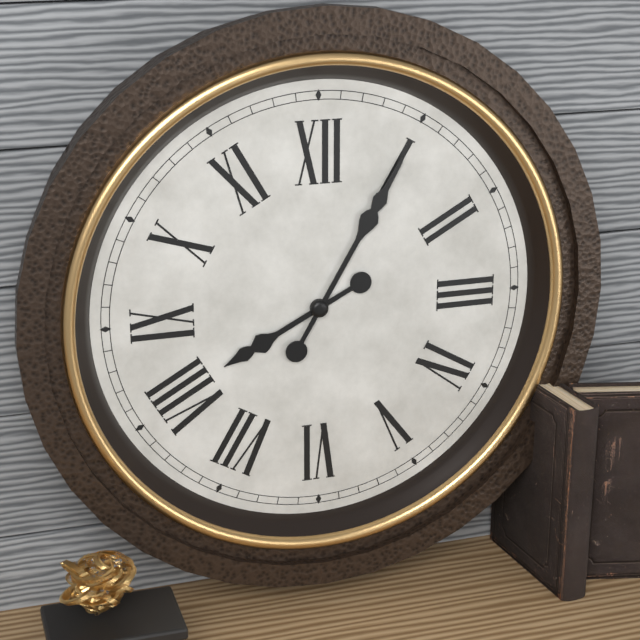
8:05
